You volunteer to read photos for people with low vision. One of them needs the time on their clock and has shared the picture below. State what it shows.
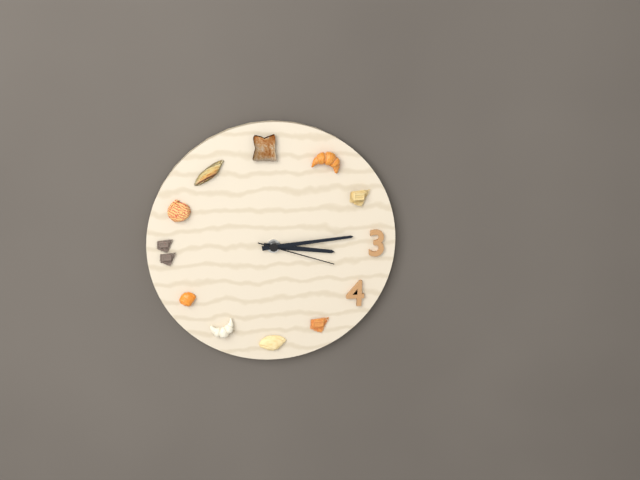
3:14:18
